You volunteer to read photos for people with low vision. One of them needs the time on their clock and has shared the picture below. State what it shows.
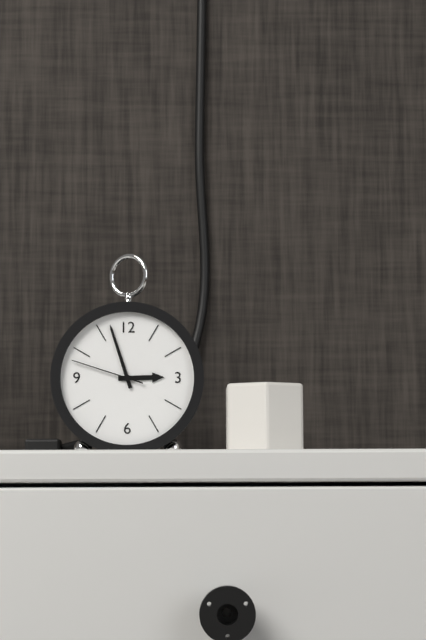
2:57:48
